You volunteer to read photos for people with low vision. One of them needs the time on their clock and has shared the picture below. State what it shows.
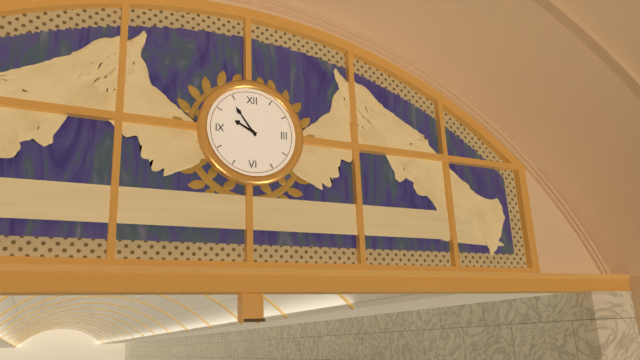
9:54
